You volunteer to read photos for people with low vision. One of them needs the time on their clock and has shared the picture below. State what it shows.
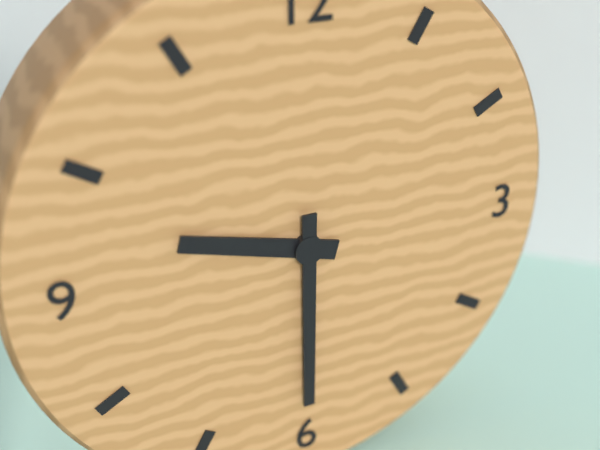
9:30
